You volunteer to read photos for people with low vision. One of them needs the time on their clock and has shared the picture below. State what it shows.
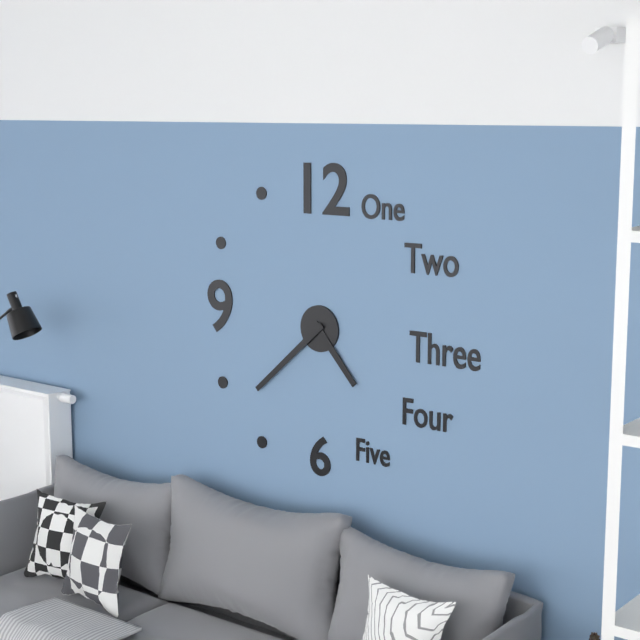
4:38
